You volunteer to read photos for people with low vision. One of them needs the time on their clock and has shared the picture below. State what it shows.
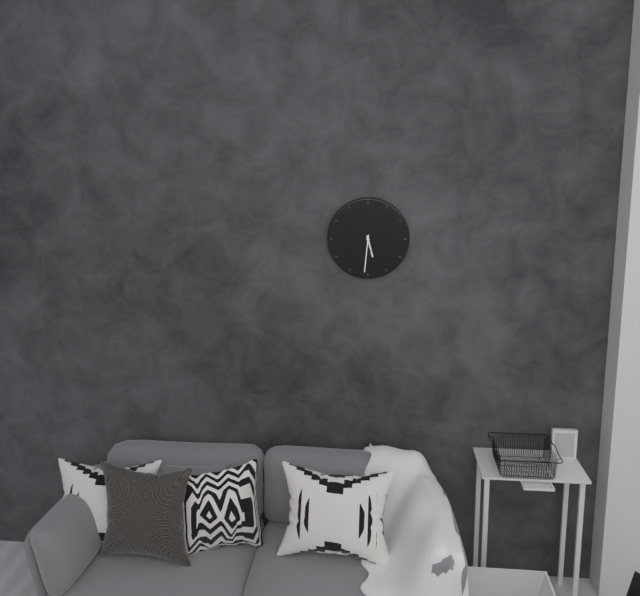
5:31
